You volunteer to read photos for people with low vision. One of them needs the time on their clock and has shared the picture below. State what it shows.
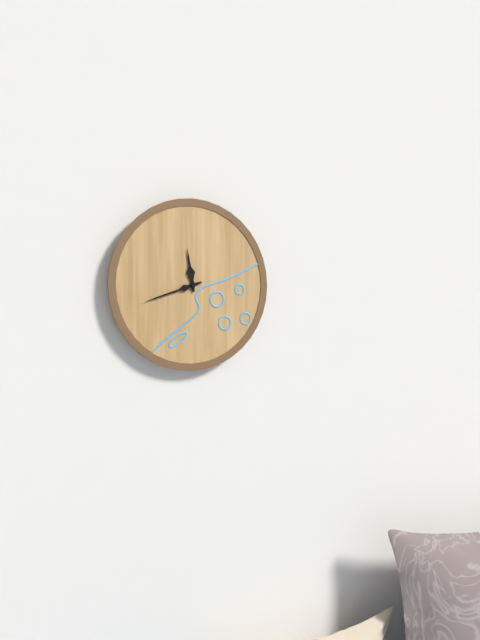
11:42
